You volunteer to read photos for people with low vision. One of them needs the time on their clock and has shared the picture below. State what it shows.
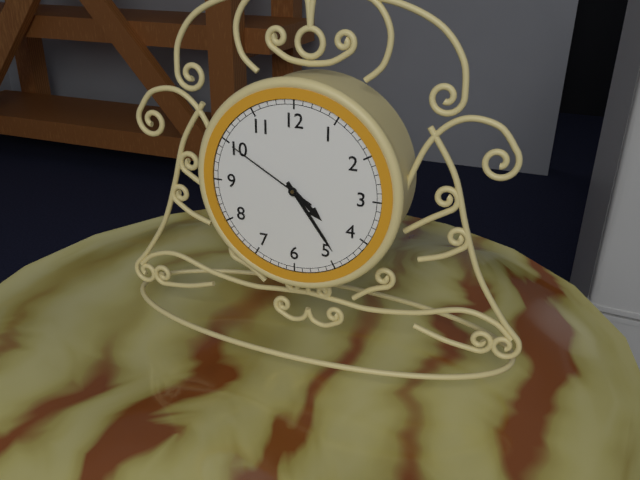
4:24:50
